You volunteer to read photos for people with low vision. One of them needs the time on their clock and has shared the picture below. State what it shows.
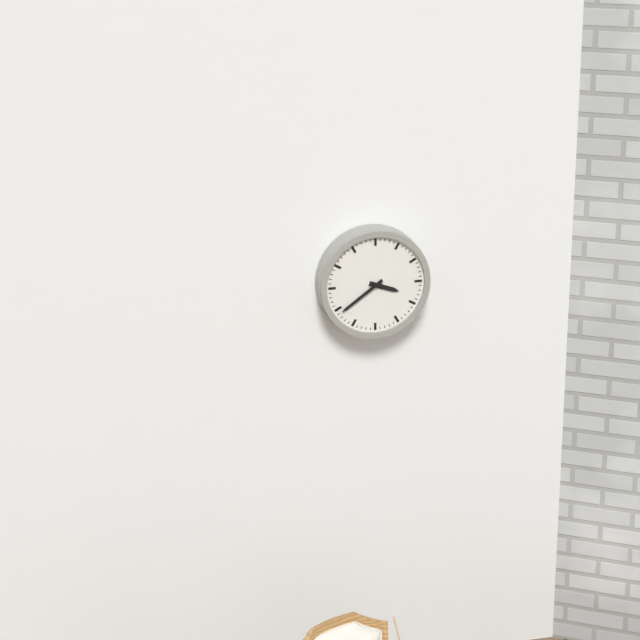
3:39
